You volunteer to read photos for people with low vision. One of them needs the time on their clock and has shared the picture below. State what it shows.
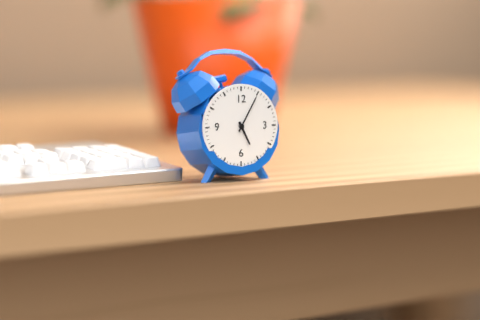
5:05
